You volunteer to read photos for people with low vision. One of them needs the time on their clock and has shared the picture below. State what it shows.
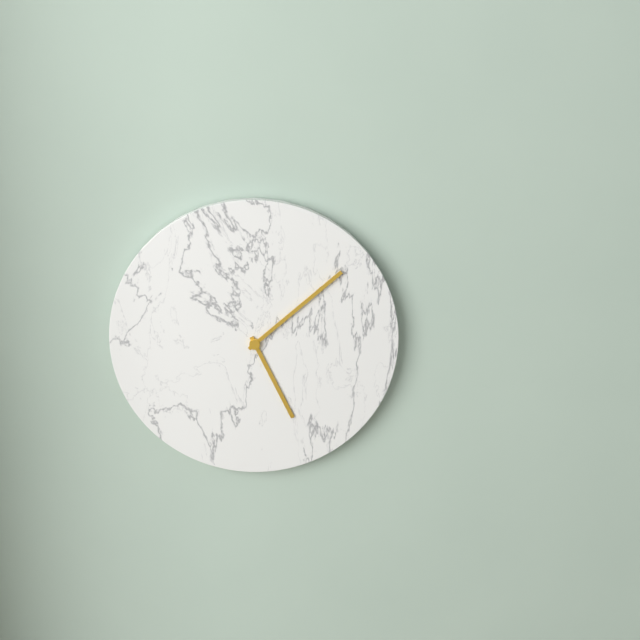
5:08
